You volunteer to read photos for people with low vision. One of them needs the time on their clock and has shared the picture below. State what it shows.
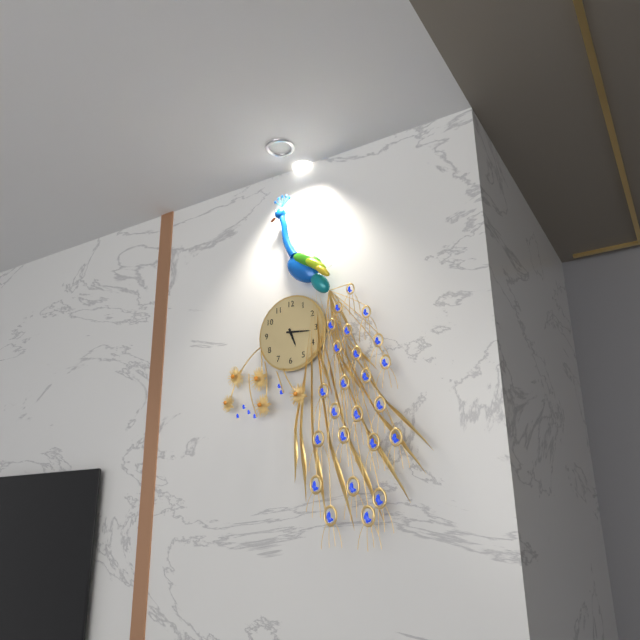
5:16
